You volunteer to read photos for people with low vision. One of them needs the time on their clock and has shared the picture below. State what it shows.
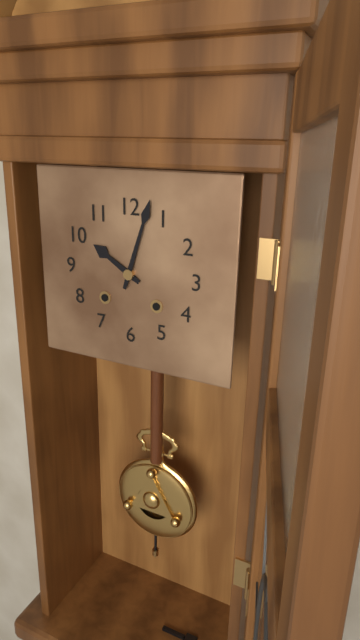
10:03
